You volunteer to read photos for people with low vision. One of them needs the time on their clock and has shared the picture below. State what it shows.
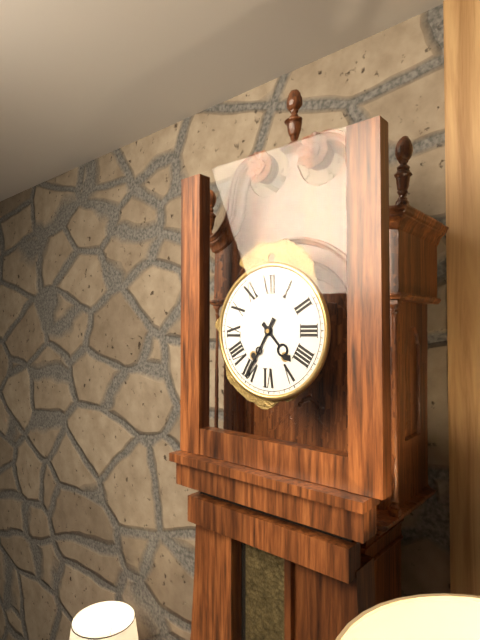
4:35
